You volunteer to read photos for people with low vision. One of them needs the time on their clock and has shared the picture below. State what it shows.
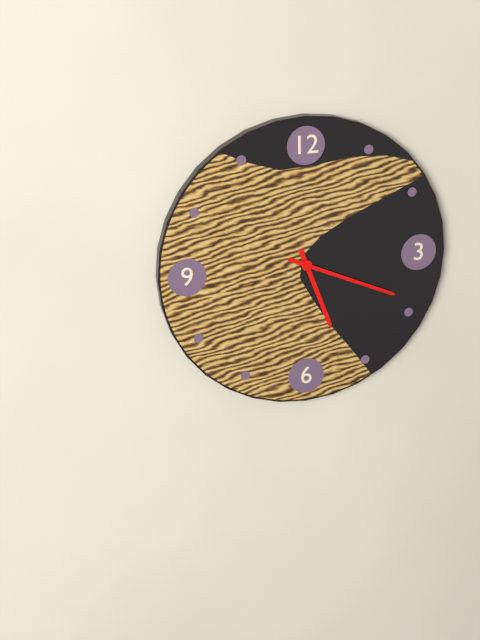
5:19
